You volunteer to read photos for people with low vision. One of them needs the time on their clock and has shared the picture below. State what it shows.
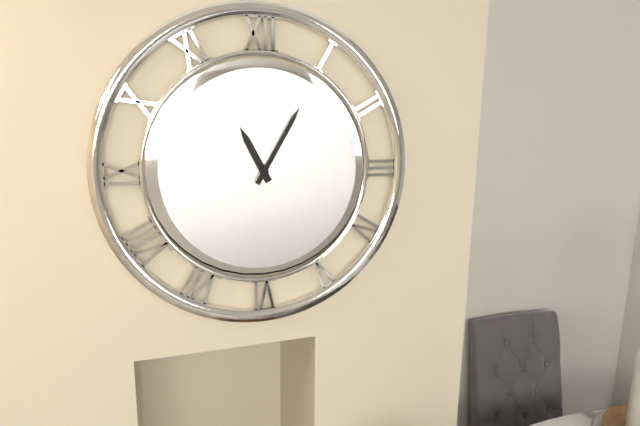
11:05
